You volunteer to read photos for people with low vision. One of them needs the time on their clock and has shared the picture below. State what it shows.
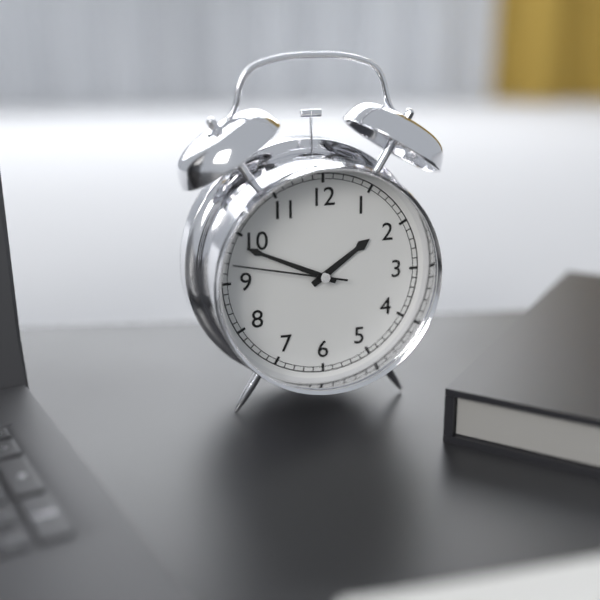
1:49:47
